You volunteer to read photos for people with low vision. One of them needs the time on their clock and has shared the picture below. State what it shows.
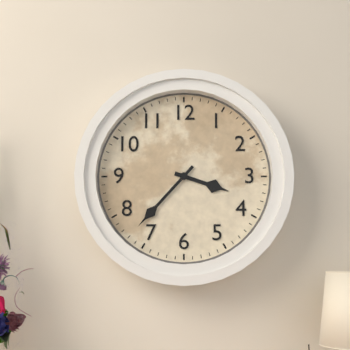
3:37
